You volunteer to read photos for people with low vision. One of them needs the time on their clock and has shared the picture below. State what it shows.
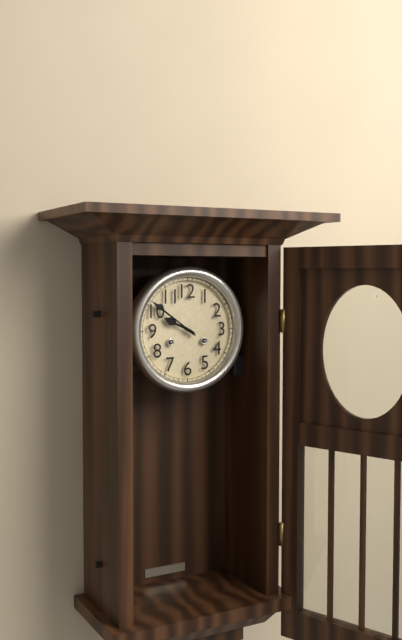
9:51
